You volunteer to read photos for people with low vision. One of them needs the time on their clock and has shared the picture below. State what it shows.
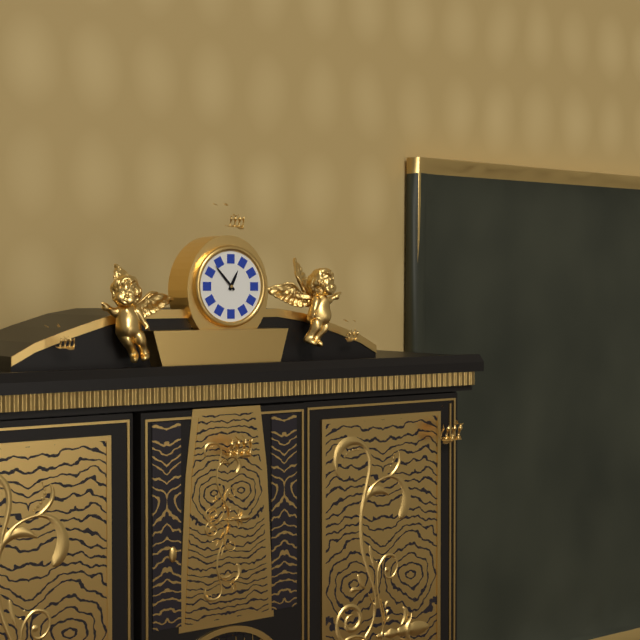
12:53
